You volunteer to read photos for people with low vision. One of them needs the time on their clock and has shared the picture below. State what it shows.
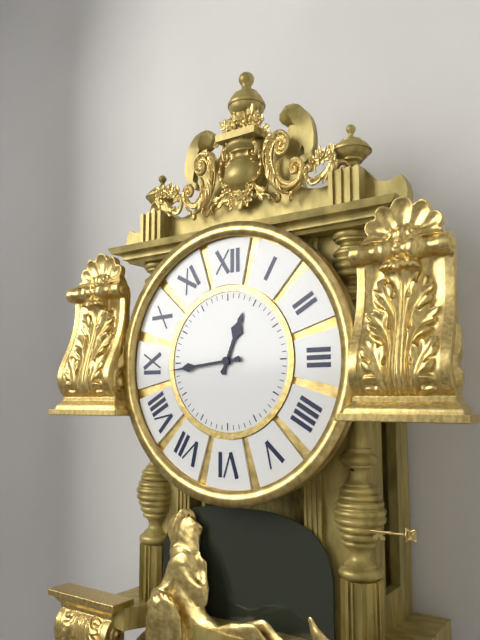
12:44
